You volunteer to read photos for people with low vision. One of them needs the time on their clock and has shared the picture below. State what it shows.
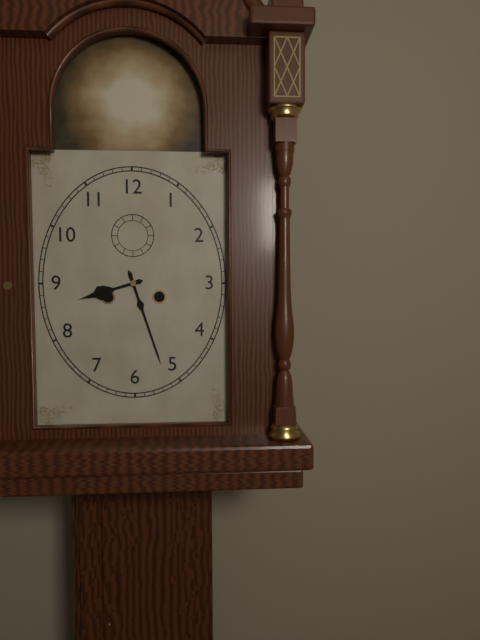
8:27
